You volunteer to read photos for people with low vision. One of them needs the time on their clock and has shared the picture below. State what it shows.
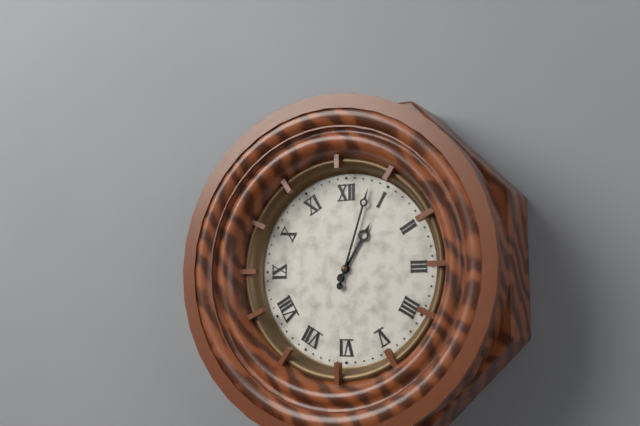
1:03
